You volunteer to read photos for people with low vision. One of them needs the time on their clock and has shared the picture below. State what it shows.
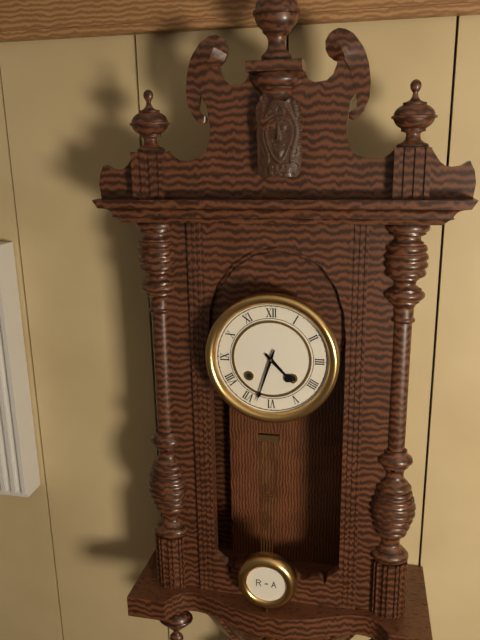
4:33
